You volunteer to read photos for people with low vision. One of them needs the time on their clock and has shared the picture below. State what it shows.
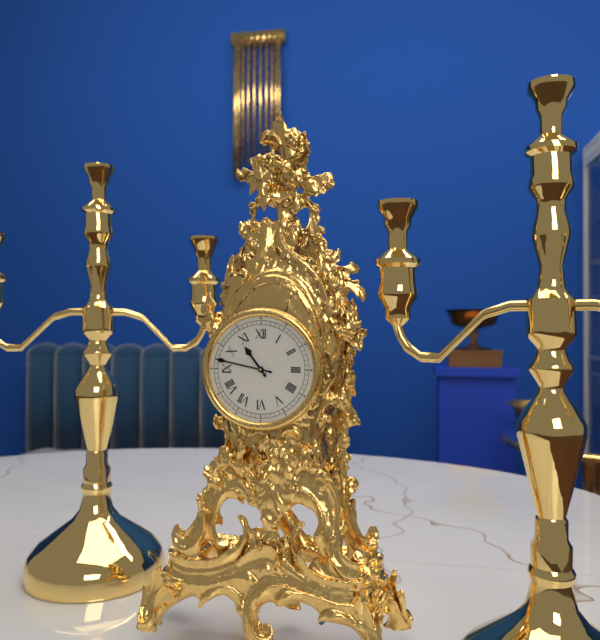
10:47
